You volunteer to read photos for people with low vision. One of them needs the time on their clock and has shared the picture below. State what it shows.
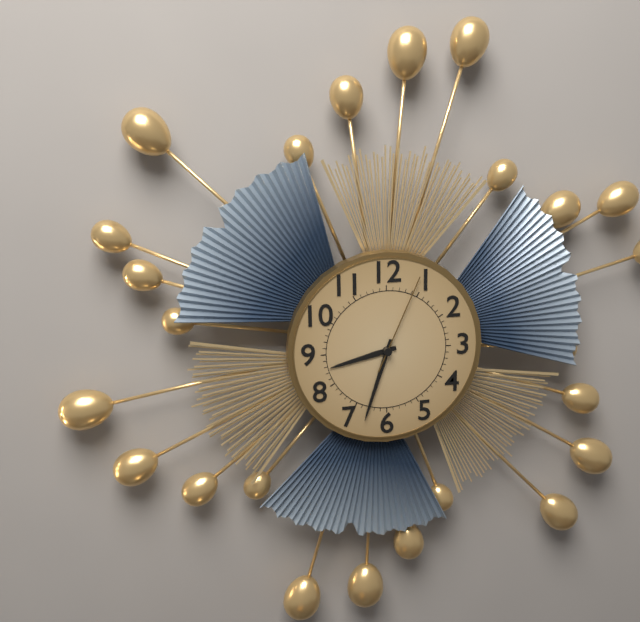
8:33:04
